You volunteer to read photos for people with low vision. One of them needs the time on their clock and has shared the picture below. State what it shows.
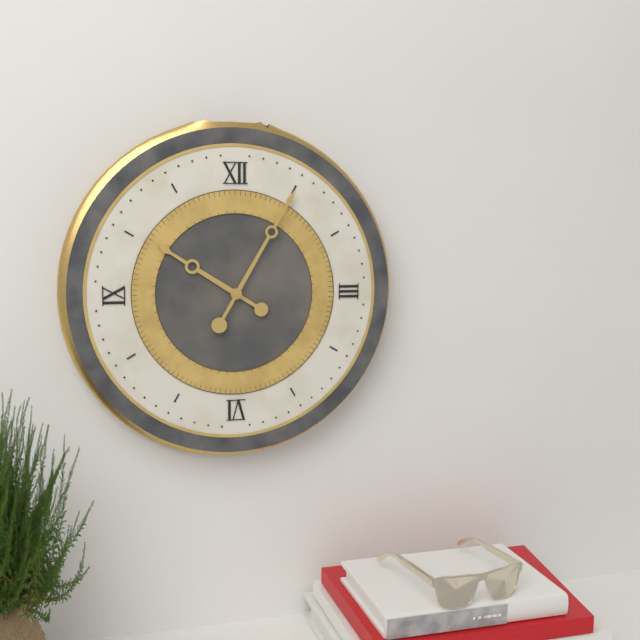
10:05
